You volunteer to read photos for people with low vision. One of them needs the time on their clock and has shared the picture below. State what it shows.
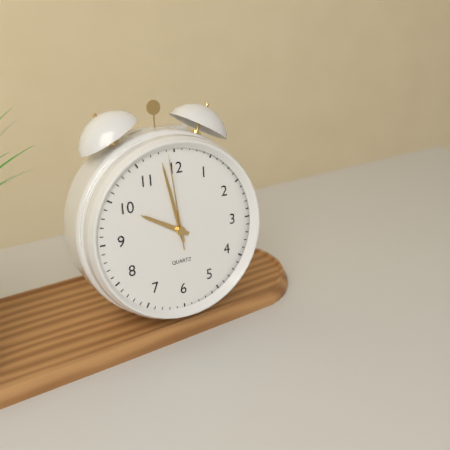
9:58:59
